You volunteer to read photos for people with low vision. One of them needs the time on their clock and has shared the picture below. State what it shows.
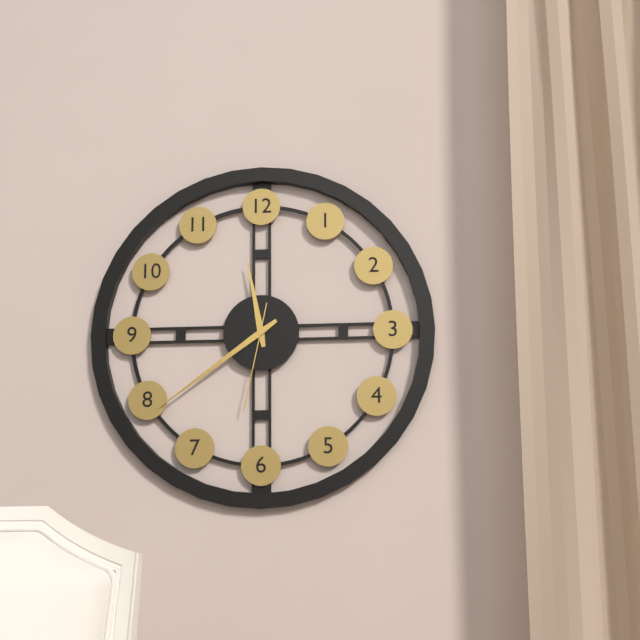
11:39:32
